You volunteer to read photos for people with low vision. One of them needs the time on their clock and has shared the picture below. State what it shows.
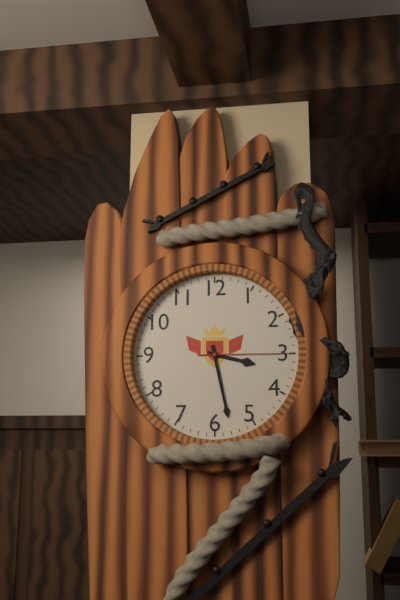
3:28:15
